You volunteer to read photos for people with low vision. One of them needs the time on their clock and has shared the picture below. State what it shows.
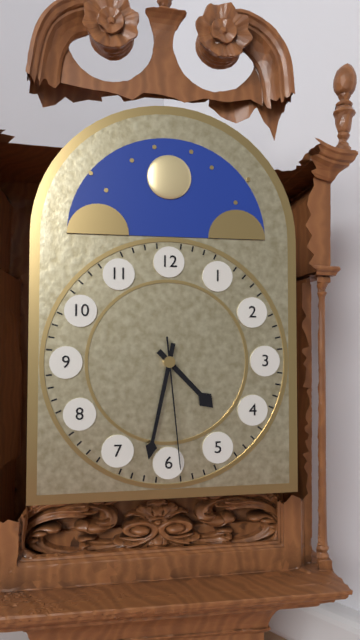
4:32:29
